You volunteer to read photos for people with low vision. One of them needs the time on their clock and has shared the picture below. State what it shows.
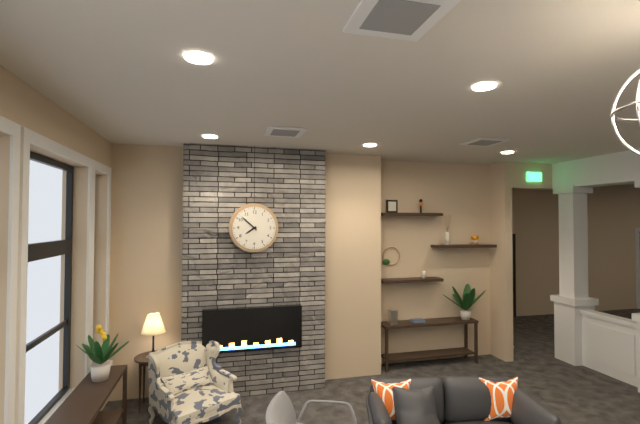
7:52
